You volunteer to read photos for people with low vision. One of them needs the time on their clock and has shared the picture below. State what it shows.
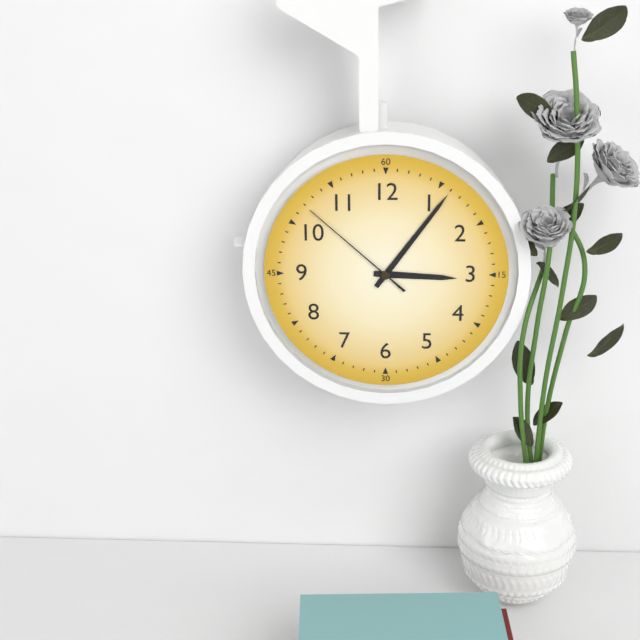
3:06:52
